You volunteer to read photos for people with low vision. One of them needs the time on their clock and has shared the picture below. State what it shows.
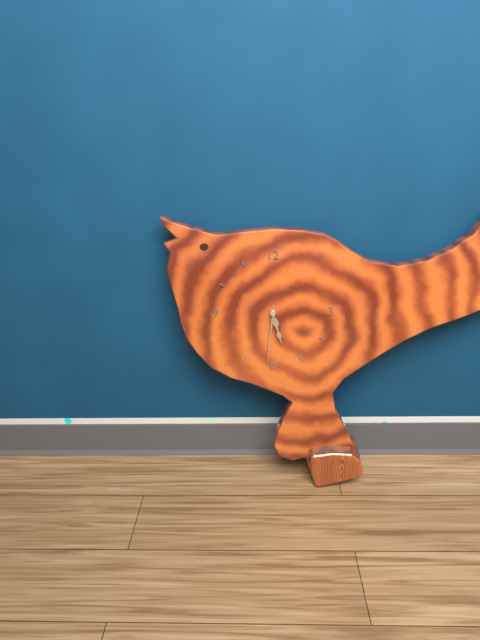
5:31
